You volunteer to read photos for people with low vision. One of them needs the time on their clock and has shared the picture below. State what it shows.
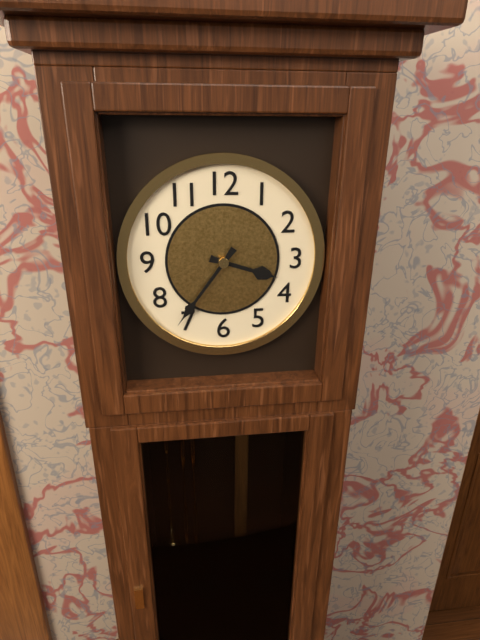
3:36
